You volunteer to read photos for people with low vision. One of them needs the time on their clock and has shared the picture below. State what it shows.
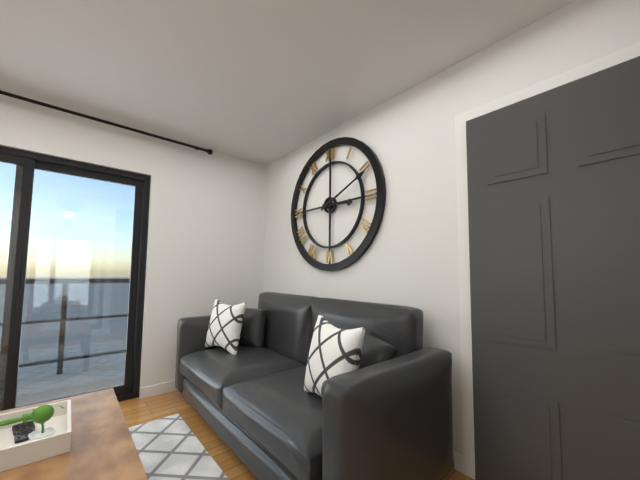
3:11
